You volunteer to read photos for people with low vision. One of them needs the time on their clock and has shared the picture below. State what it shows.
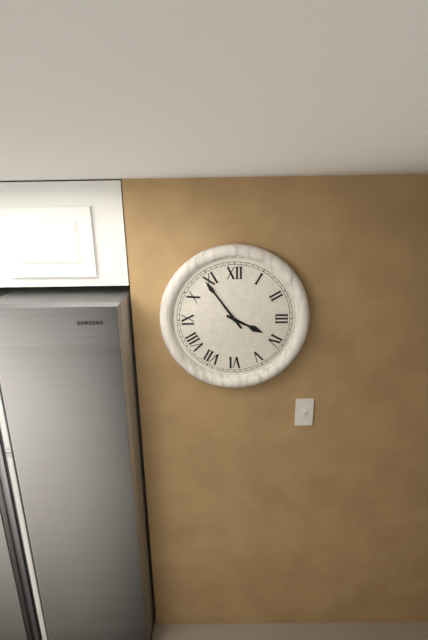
3:54
